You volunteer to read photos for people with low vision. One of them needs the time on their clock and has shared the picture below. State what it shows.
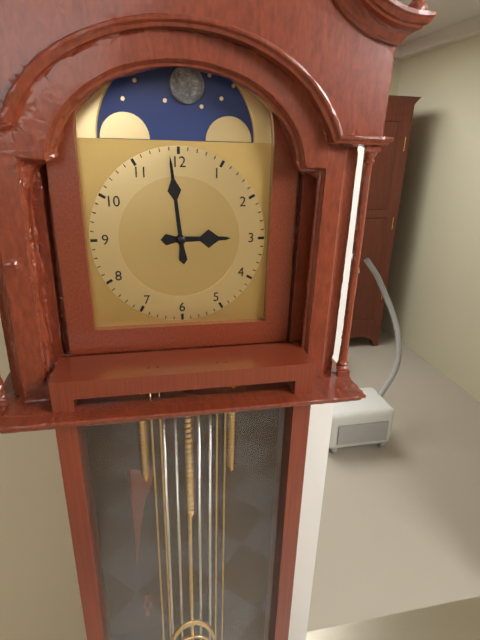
2:59
